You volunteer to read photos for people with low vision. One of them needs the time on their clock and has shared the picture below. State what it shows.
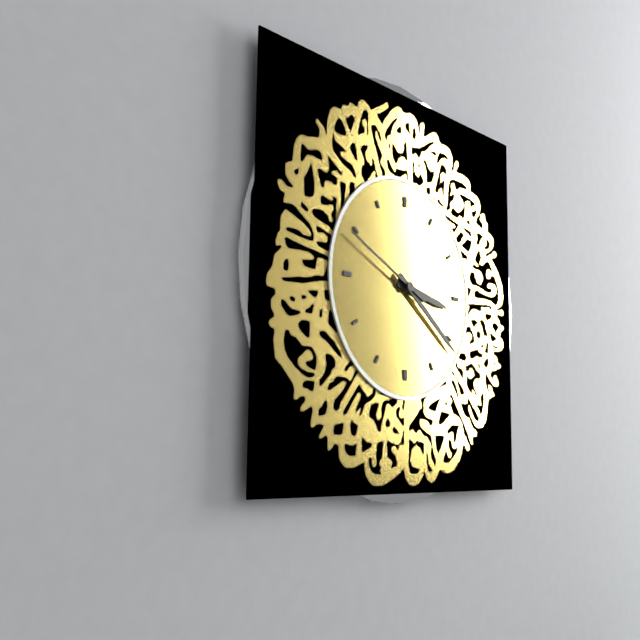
3:21:49
